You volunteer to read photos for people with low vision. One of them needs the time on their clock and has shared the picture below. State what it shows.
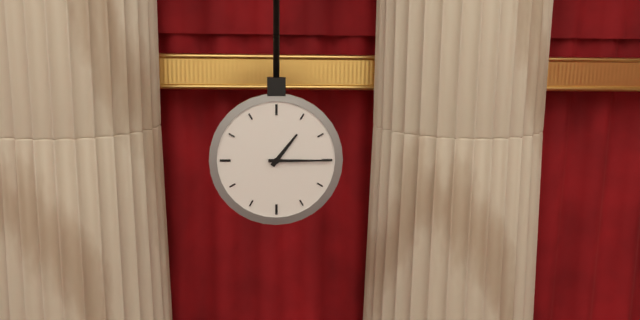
1:15
